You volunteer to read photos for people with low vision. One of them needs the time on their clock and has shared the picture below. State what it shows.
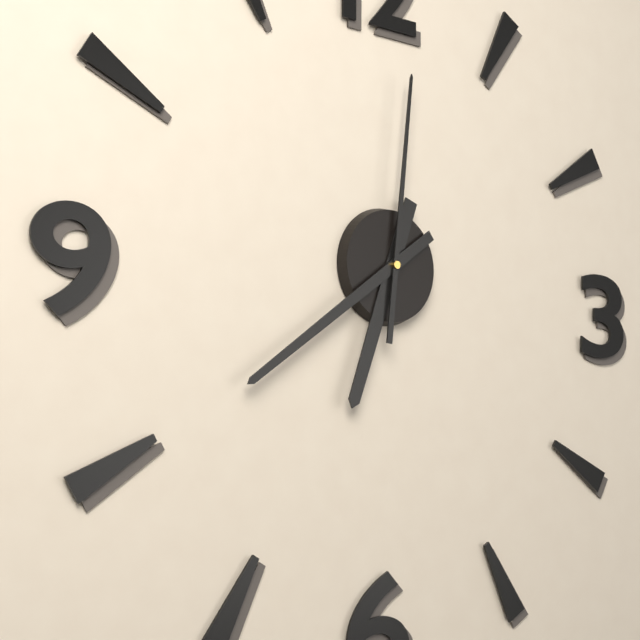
6:39:01
